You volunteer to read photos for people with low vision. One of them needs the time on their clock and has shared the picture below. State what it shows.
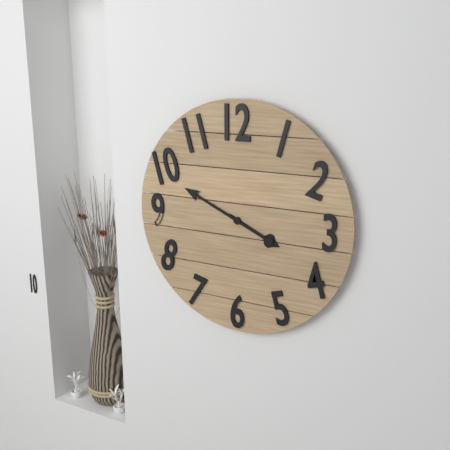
3:49
